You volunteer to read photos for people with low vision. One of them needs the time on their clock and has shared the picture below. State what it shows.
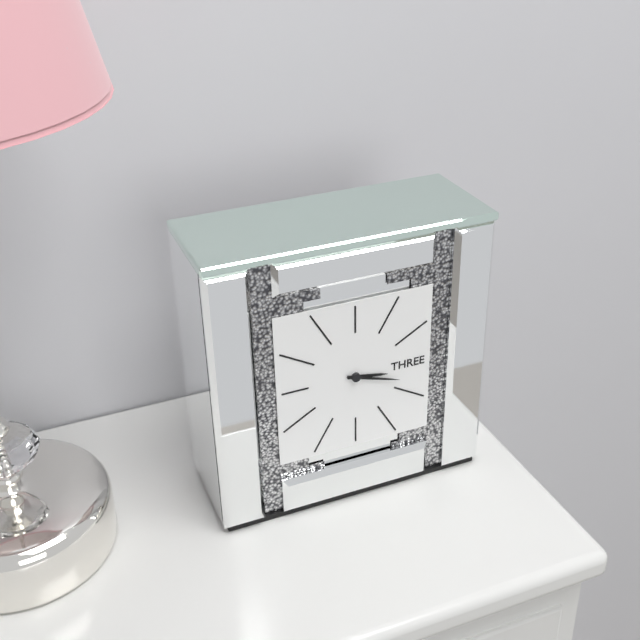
3:18
